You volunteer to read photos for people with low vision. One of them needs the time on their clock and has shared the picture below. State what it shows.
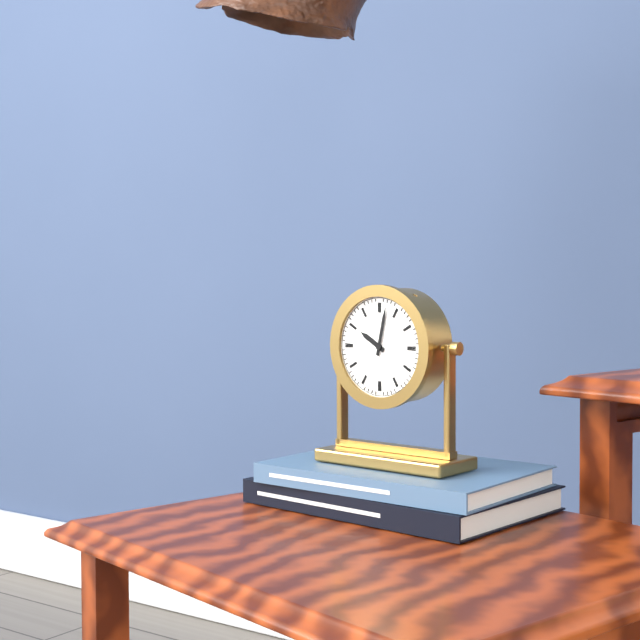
10:02
